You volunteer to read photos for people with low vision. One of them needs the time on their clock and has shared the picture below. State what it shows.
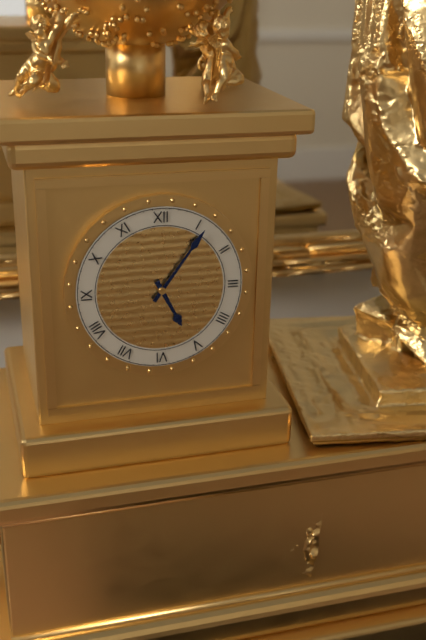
5:06
